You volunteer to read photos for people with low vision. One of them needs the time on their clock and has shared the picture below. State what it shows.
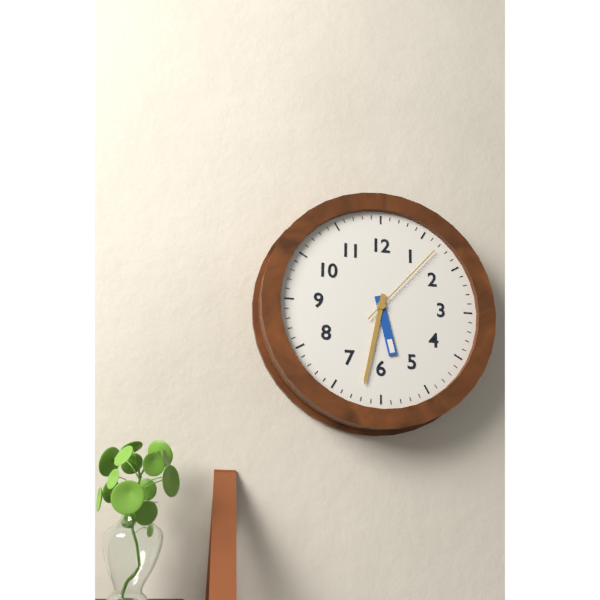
5:32:07
